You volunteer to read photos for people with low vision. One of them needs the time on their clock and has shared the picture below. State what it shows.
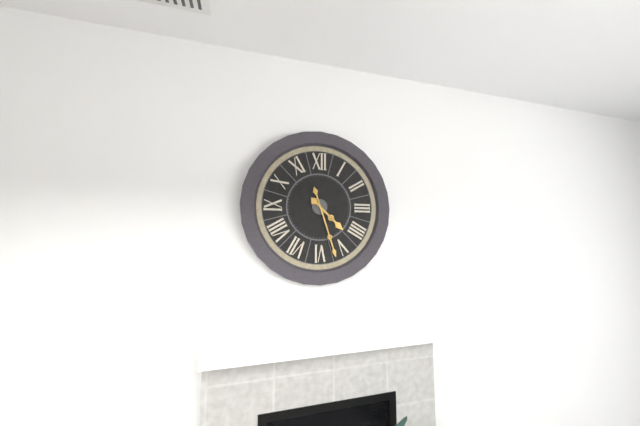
4:27
